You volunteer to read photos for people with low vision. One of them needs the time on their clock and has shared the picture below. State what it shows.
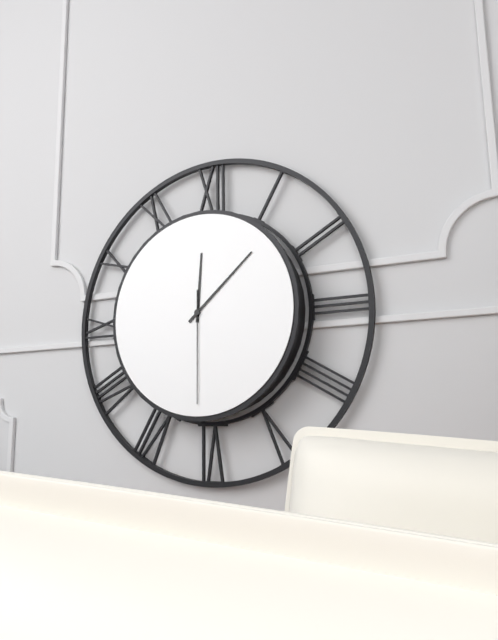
12:08:30
